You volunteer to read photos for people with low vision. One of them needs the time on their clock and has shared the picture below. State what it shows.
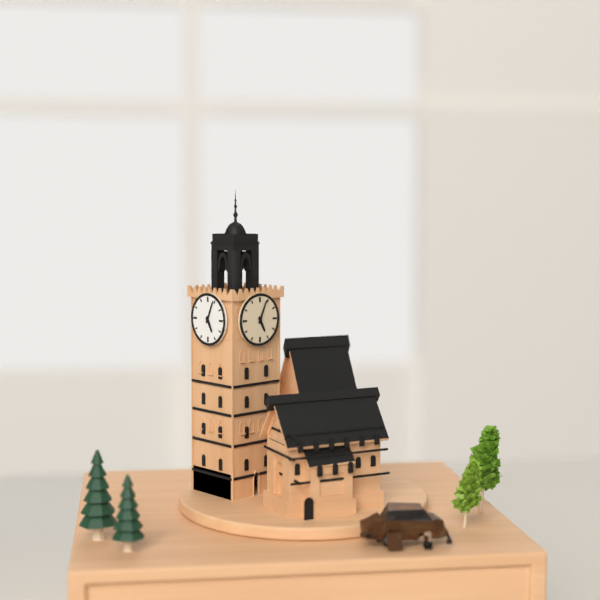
5:04
